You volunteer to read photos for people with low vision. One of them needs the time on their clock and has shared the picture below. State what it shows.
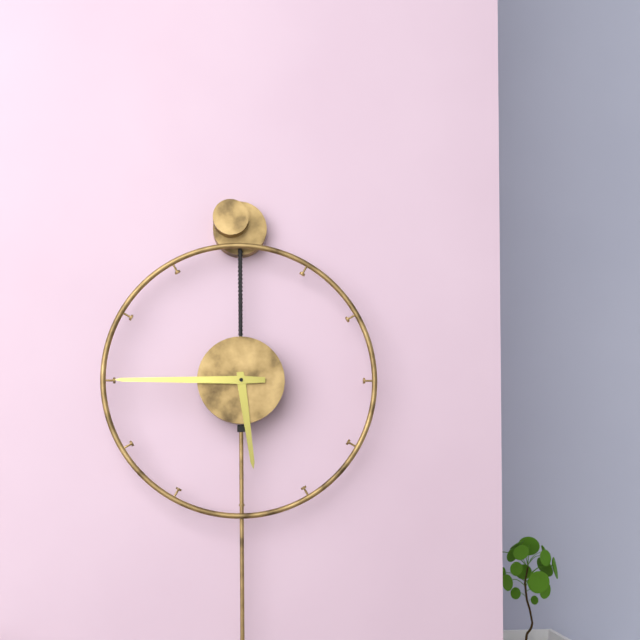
5:45
